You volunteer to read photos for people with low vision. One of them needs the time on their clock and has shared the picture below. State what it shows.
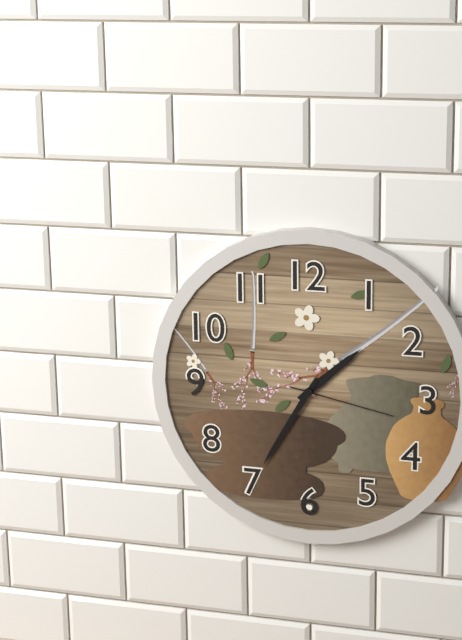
1:35:17
